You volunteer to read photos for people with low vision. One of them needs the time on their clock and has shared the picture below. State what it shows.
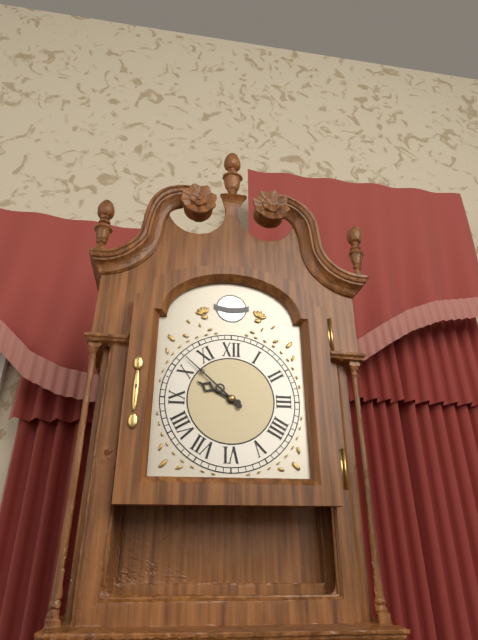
9:52
